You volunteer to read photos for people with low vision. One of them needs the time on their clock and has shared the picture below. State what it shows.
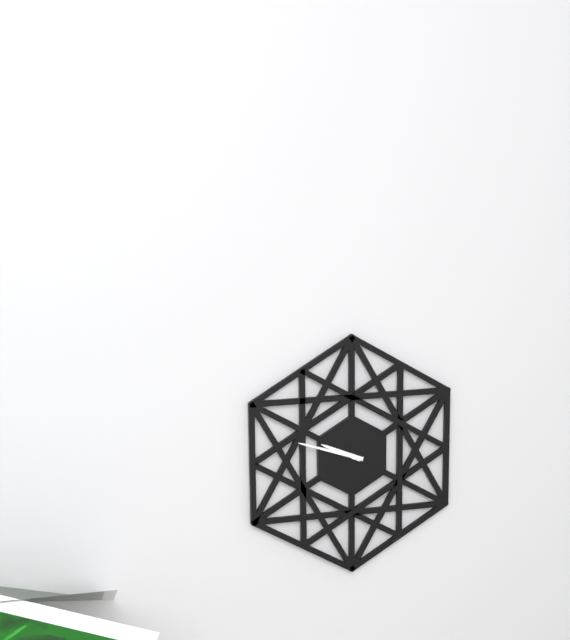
9:48
